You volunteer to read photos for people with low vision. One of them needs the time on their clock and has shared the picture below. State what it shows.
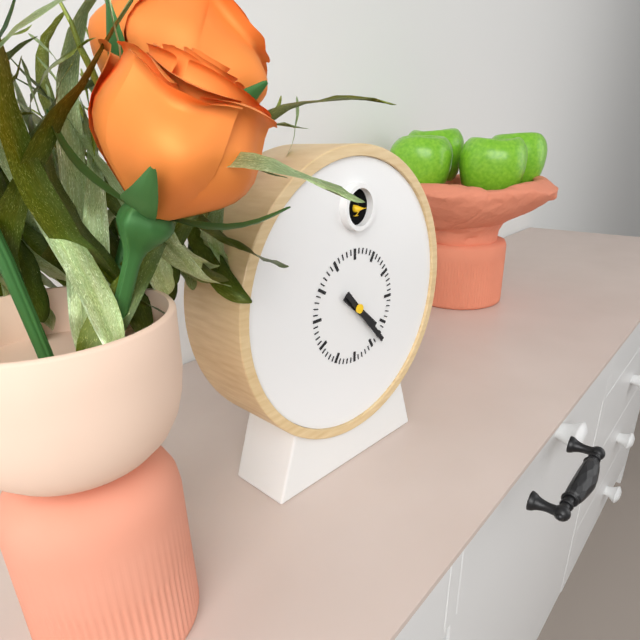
4:23
